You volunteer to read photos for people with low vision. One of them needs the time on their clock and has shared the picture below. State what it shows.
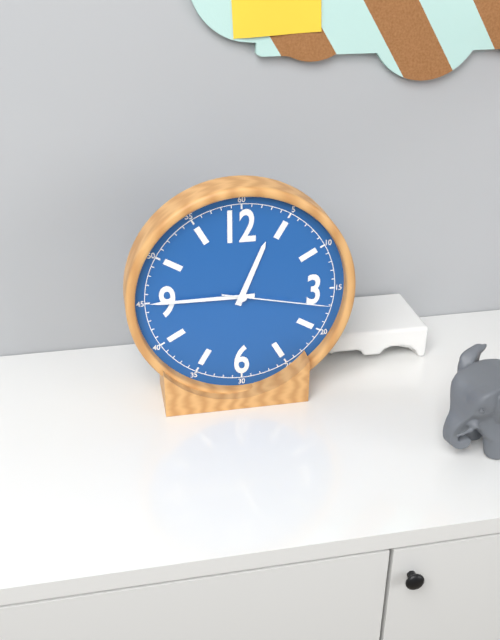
12:45:17
